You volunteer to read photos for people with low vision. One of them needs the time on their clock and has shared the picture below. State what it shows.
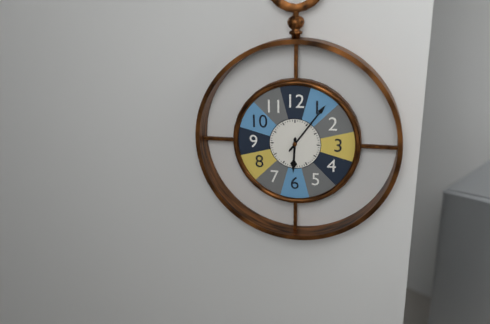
6:06
